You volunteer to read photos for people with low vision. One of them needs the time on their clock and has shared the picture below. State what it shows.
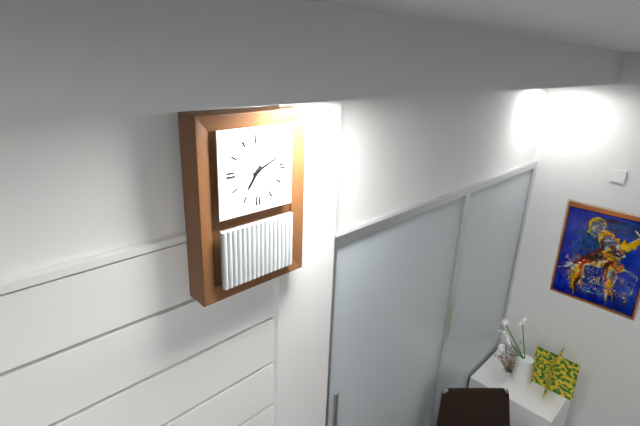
7:11
